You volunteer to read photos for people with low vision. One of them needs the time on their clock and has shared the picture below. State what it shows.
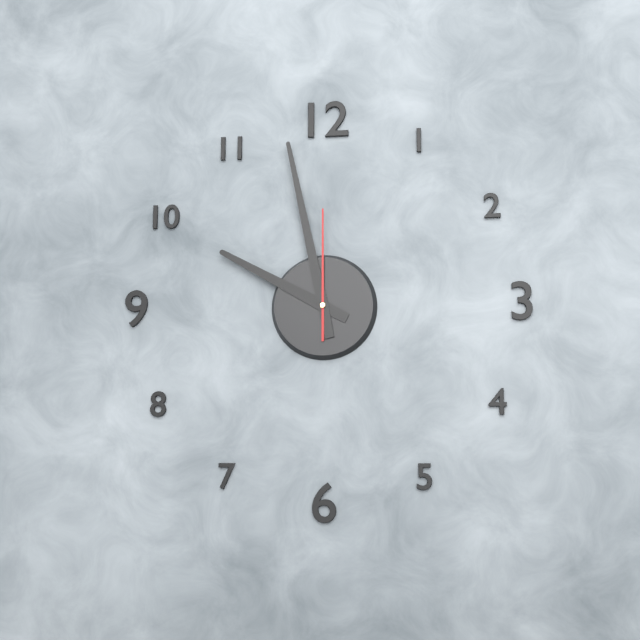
9:58:00
